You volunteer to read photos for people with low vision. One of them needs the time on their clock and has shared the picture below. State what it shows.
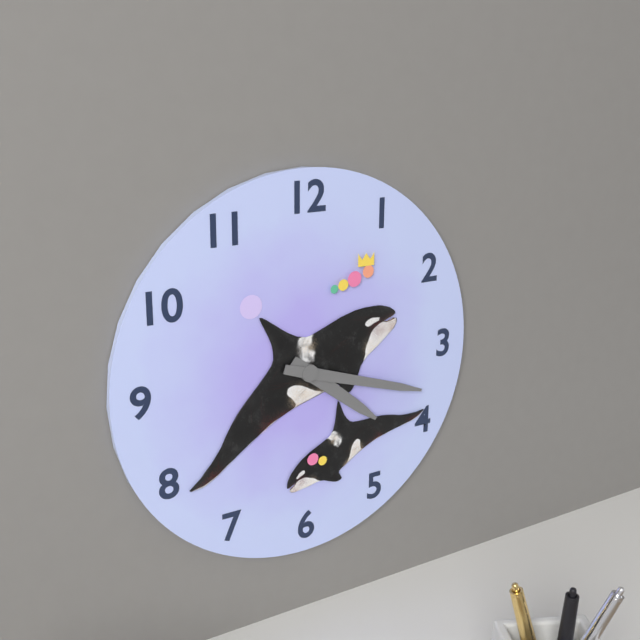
4:18
